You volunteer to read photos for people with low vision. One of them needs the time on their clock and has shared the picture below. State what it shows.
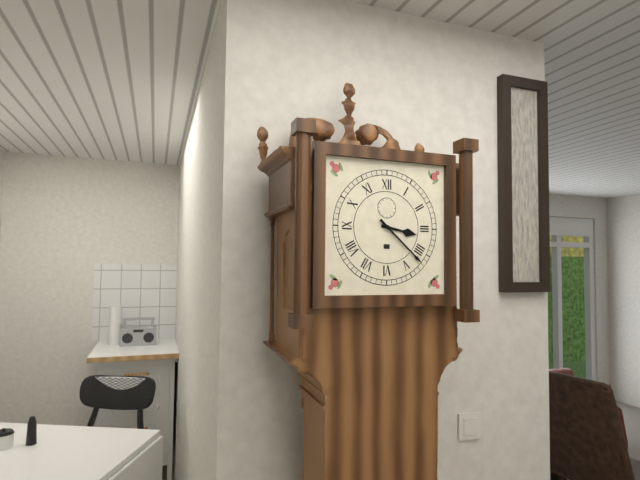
3:22
